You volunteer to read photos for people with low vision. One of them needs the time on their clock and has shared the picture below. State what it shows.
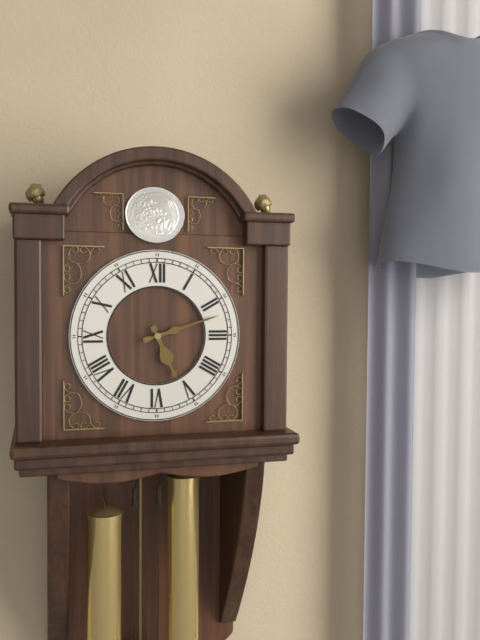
5:12
